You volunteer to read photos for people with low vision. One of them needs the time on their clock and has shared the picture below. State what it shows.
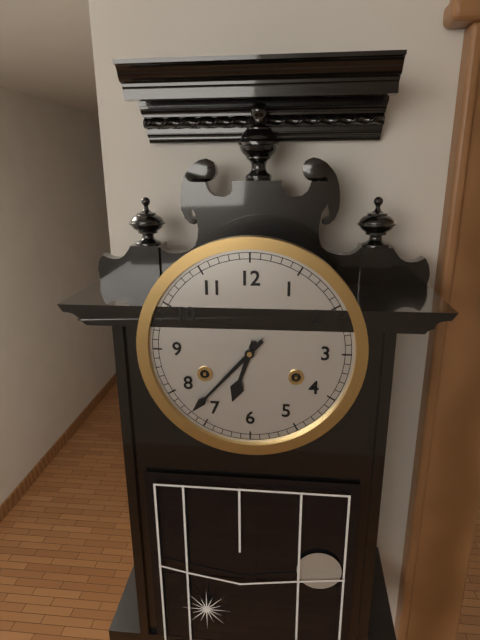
6:37
